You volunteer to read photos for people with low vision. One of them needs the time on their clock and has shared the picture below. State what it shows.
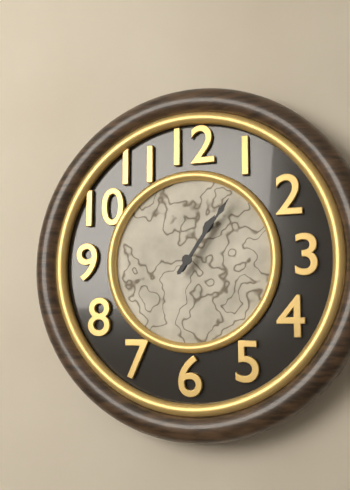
1:06
